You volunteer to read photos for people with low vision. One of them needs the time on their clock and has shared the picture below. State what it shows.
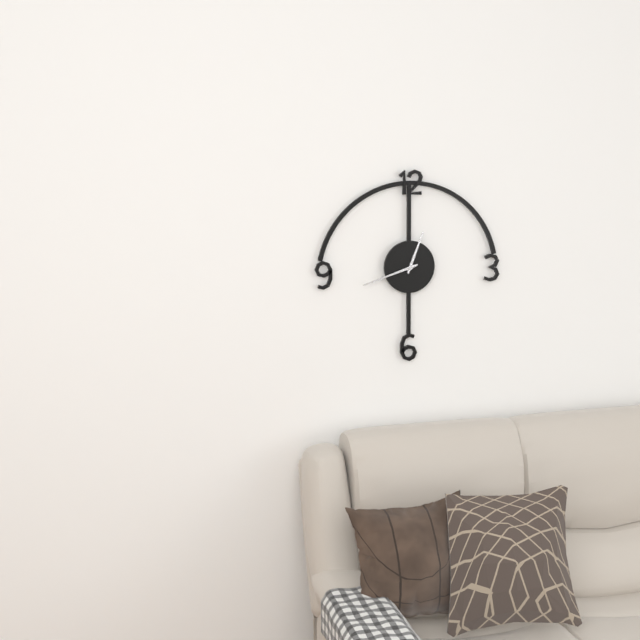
12:42
